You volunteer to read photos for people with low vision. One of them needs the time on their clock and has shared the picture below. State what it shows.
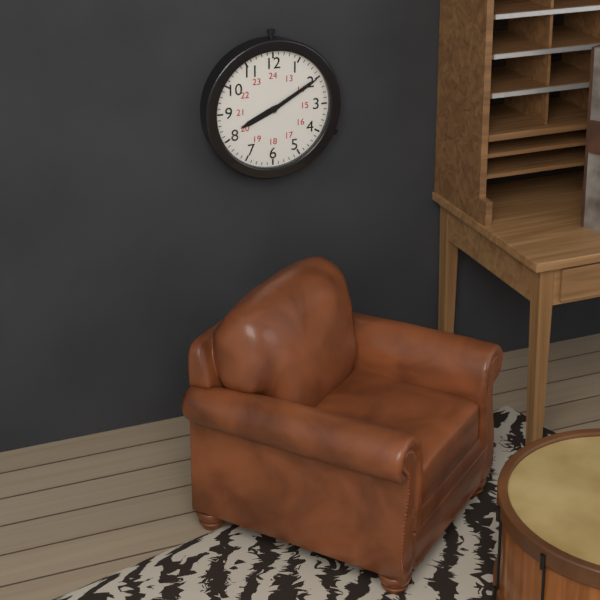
8:10
